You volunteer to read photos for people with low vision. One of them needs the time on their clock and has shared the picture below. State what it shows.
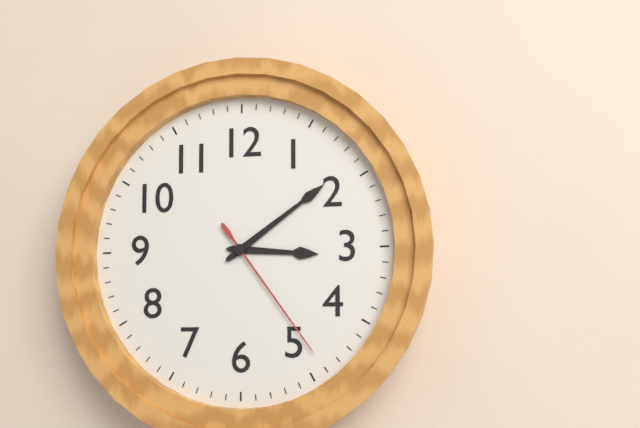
3:09:24
